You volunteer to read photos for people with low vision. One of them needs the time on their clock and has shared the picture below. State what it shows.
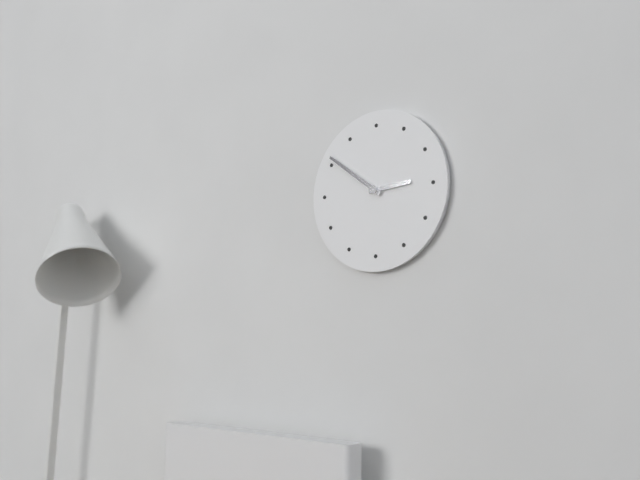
2:51
